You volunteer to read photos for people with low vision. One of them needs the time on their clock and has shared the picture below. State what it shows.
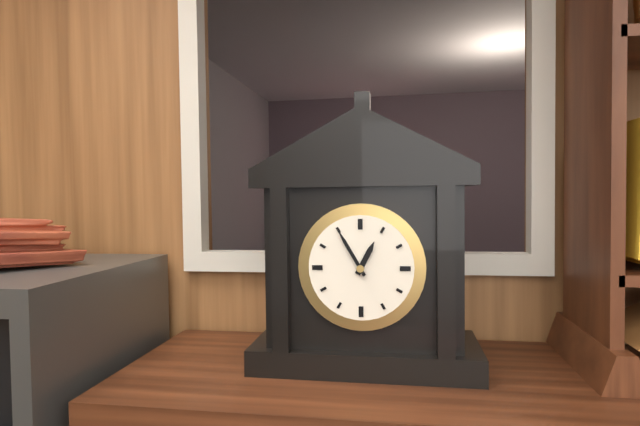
12:55
